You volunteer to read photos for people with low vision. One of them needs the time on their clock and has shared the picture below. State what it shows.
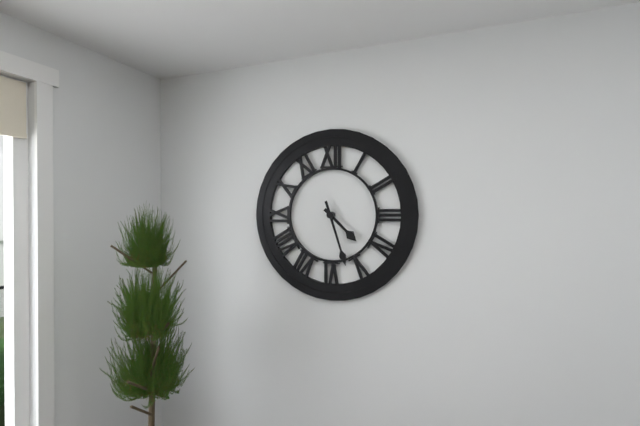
4:27
